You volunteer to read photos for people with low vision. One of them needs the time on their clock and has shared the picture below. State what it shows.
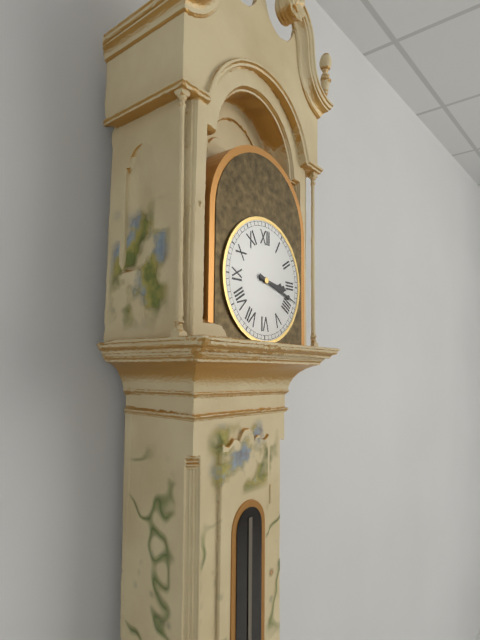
3:18
